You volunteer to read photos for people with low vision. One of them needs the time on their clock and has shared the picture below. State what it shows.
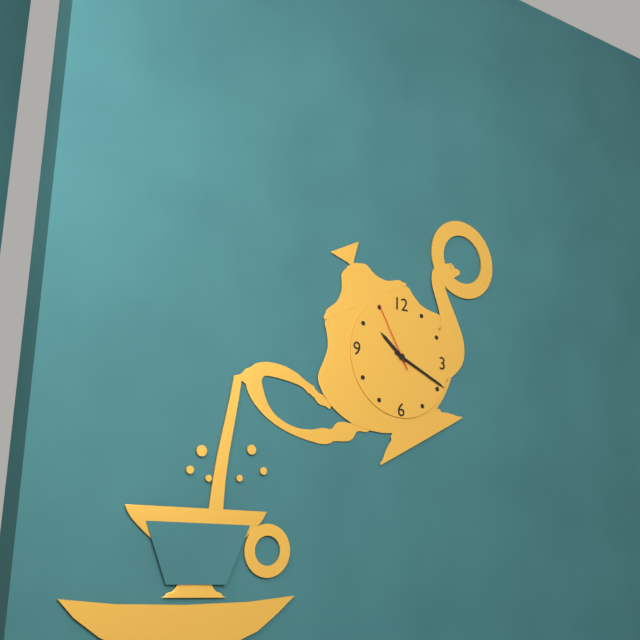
10:19:55
